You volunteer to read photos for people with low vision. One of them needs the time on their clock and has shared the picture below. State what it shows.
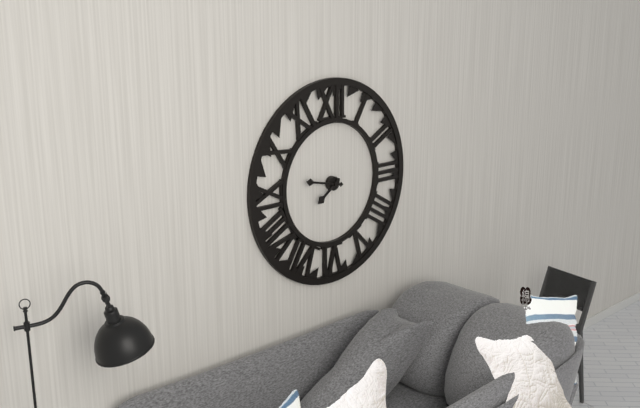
7:47
